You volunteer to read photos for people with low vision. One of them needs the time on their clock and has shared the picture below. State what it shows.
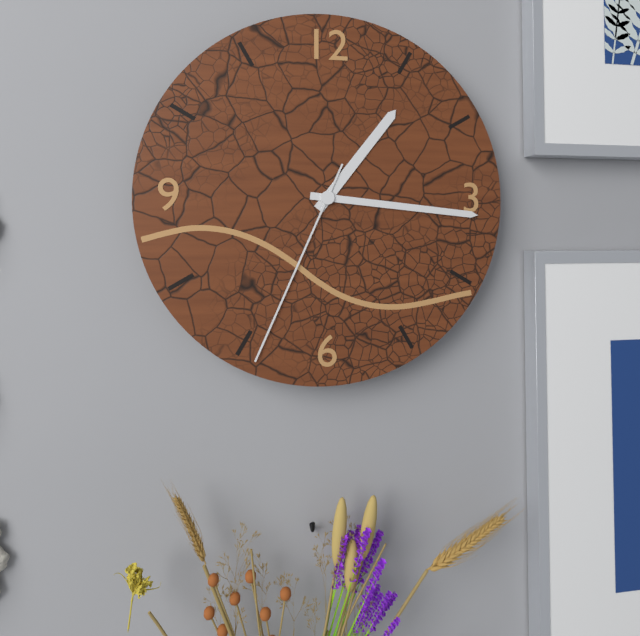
1:16:34
